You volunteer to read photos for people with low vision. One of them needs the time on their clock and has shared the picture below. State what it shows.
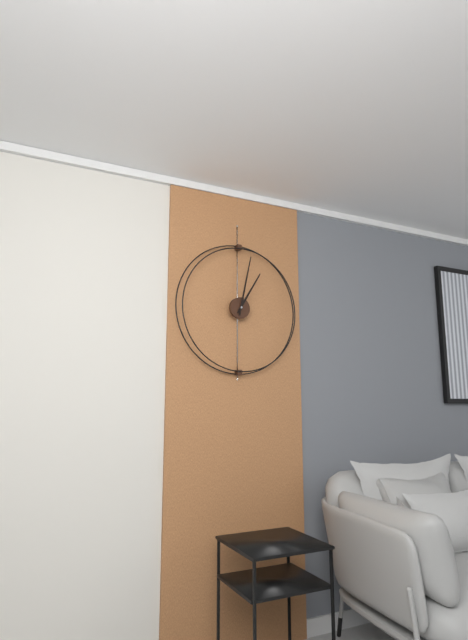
1:02
